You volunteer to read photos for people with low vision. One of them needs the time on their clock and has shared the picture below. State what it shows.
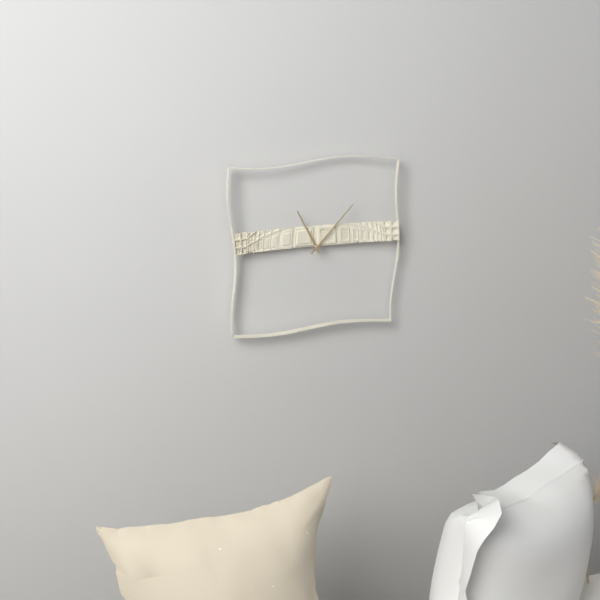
11:07
